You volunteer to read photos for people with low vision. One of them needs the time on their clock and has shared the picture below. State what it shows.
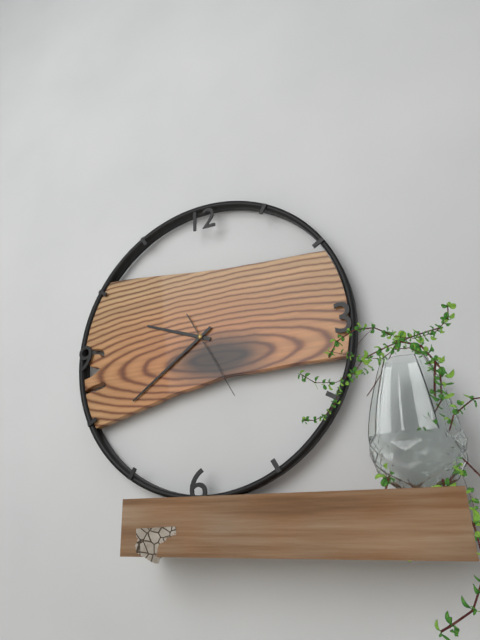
9:39:25
